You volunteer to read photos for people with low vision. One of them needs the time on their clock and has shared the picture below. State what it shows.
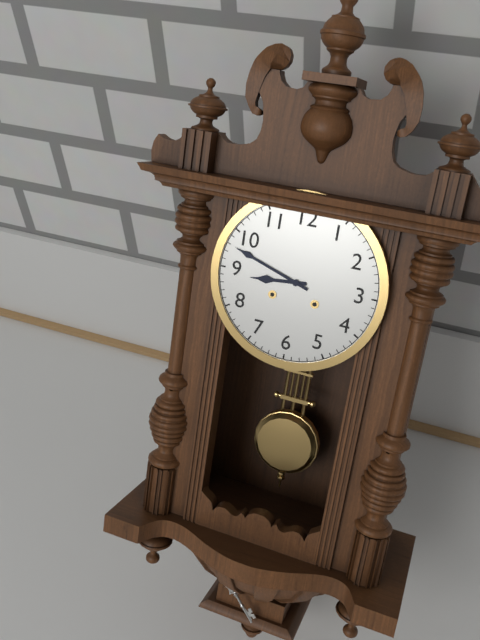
8:48
